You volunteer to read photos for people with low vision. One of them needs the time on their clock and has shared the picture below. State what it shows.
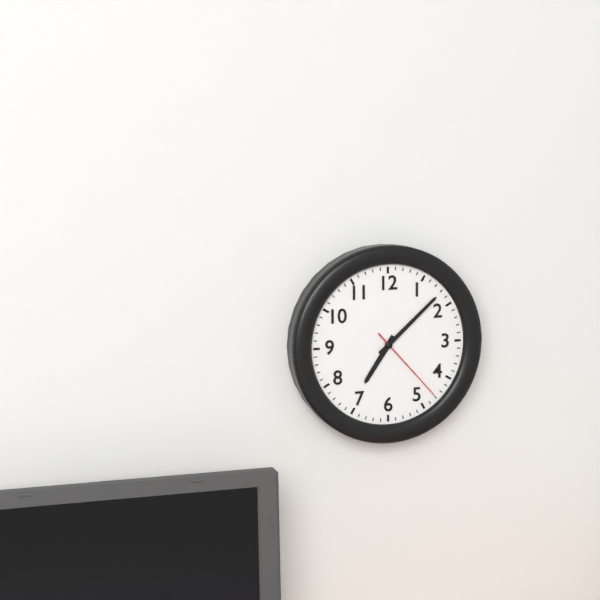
7:08:23
